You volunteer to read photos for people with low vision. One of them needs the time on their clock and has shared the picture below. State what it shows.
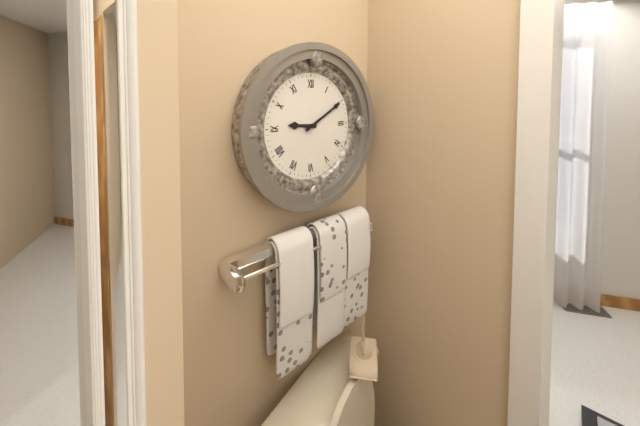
9:10
